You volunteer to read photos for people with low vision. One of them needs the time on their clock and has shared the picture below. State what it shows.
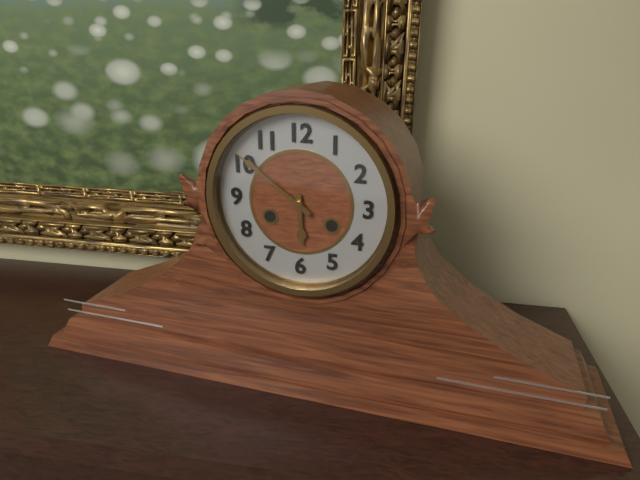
5:51
